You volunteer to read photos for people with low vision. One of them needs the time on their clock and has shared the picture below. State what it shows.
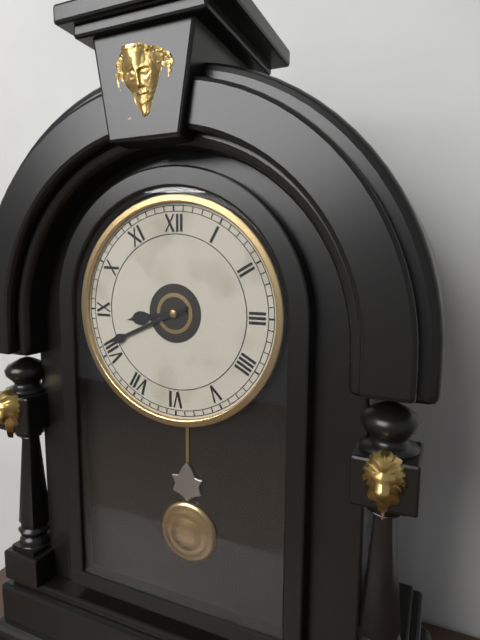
8:41
